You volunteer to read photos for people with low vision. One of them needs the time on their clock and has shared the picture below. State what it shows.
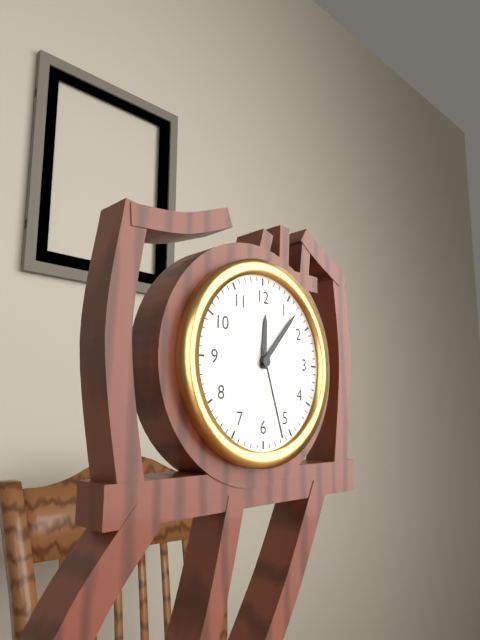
12:07:27
